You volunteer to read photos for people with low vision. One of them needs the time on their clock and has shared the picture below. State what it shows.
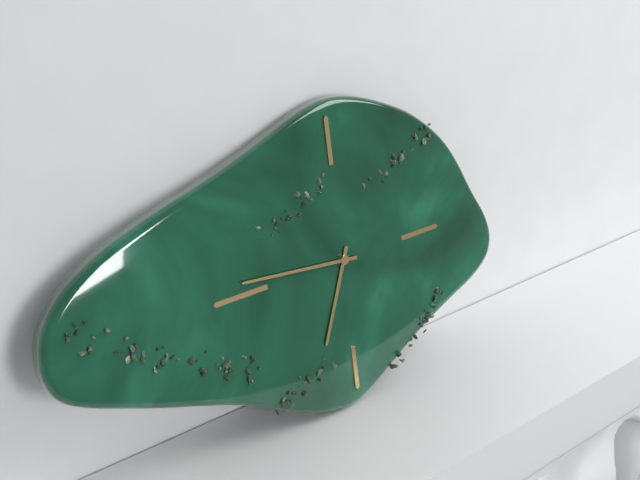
6:46
